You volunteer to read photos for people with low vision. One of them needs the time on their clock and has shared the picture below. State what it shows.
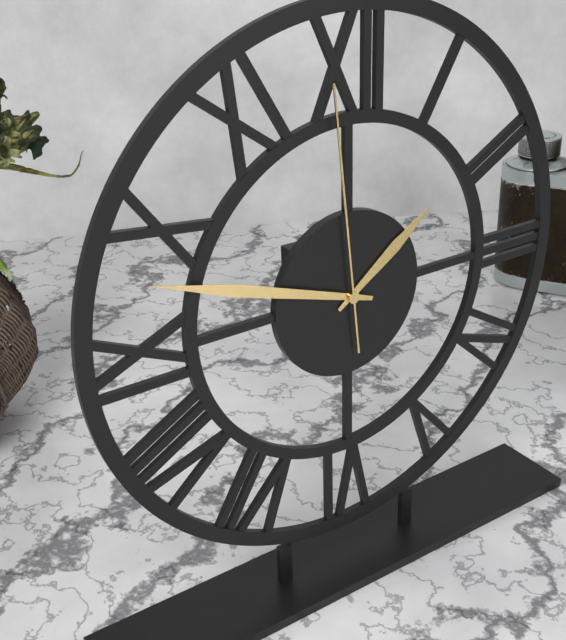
1:48:59
